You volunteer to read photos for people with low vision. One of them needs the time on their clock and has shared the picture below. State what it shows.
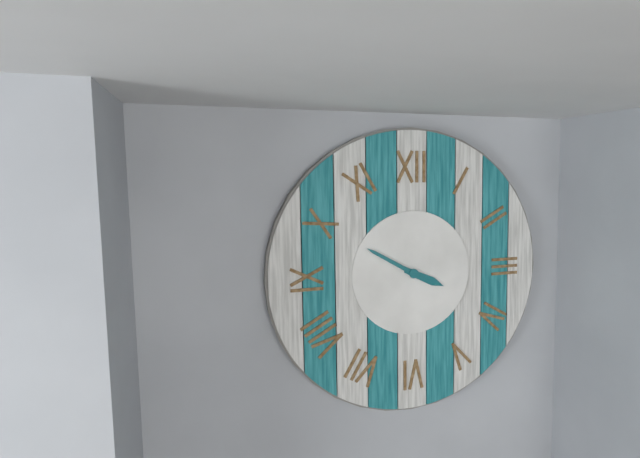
3:50
